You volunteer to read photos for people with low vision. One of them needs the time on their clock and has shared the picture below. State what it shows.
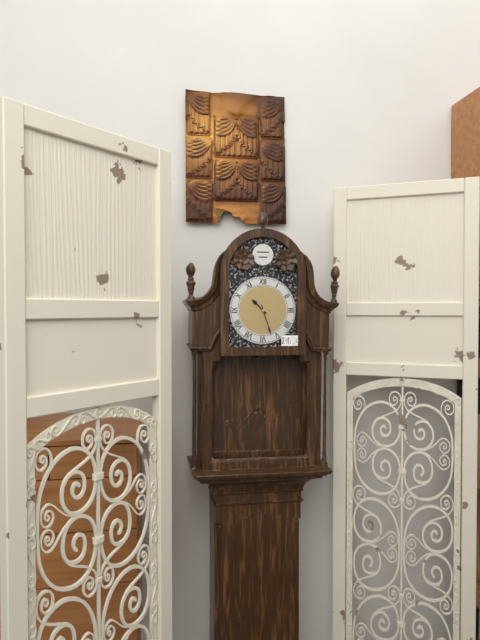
10:27
